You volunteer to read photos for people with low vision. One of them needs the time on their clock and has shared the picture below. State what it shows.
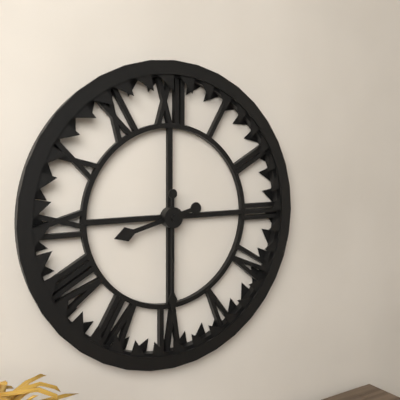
8:30
